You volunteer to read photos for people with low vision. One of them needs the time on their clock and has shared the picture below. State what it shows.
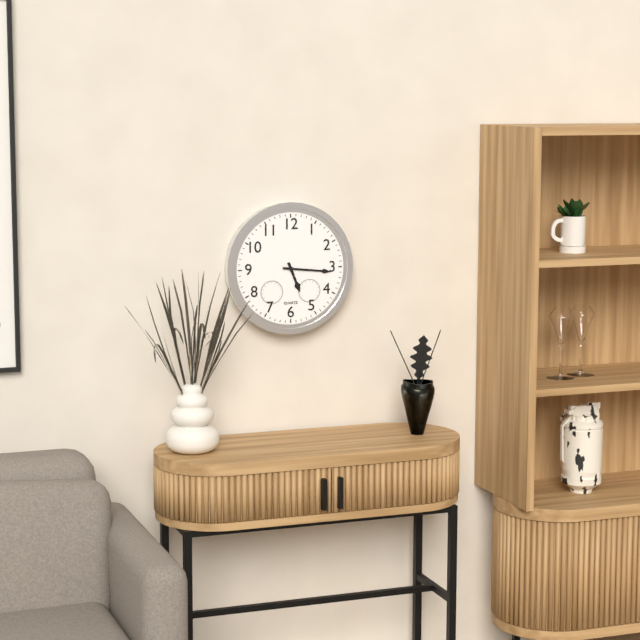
5:16
